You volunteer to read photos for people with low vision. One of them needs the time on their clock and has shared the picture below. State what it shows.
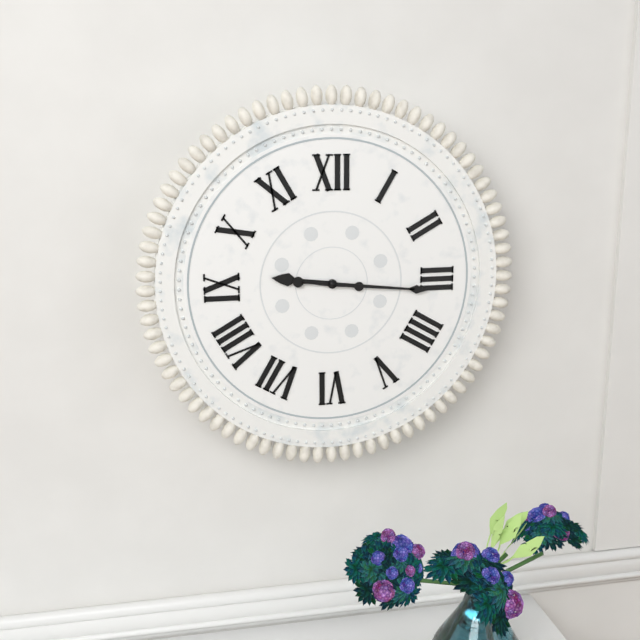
9:16
